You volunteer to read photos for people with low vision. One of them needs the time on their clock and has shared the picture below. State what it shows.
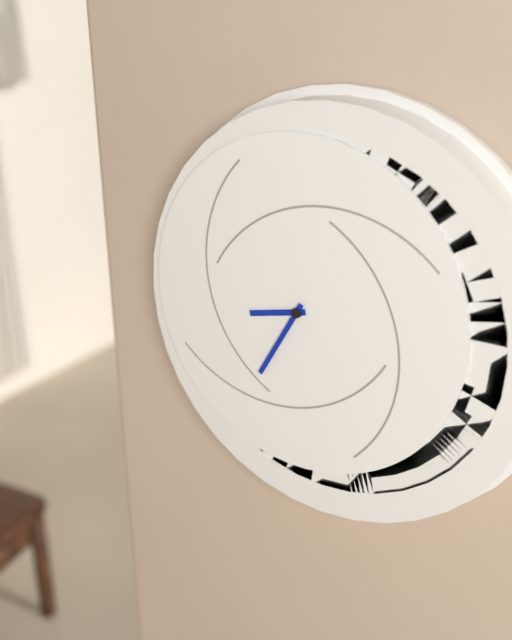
8:35
